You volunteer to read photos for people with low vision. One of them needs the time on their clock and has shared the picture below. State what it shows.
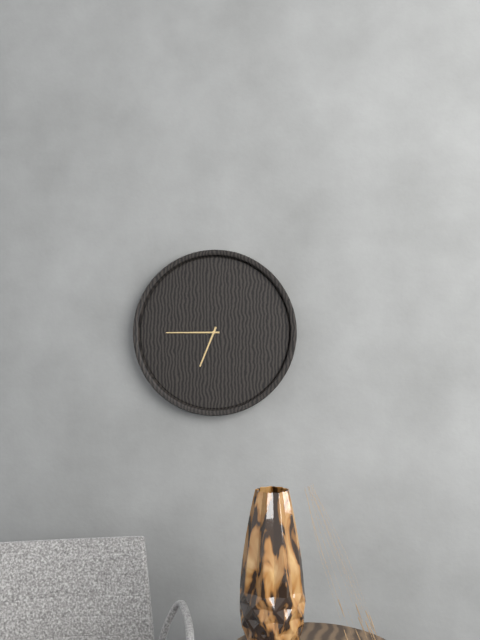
6:45
